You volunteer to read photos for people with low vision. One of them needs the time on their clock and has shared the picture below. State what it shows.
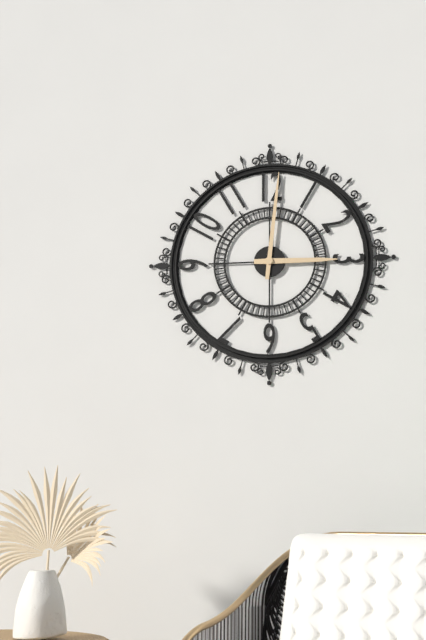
3:01
